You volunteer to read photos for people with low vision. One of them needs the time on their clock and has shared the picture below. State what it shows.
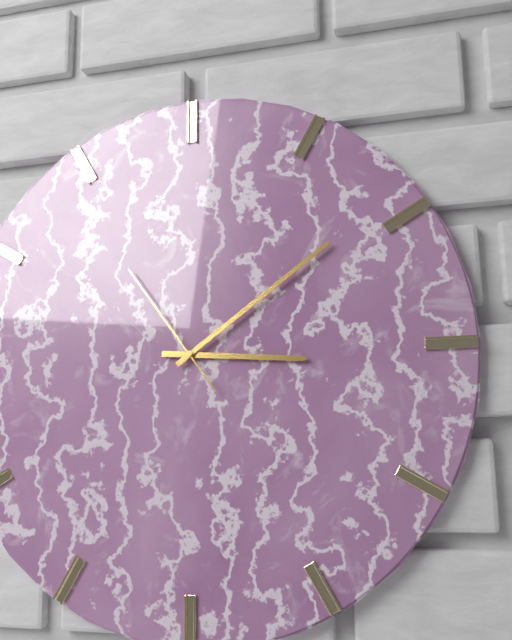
3:09:54
